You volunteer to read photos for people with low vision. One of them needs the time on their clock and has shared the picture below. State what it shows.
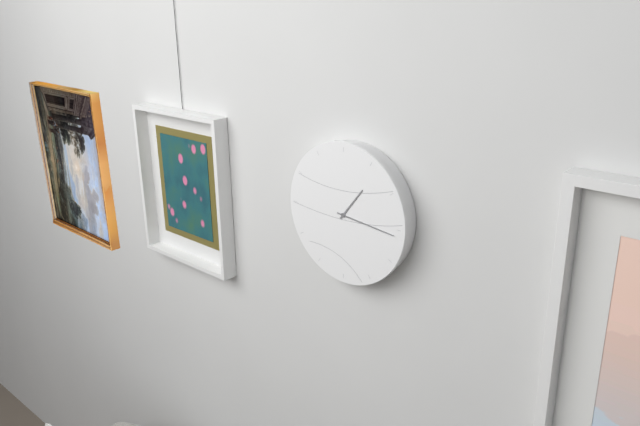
1:16
